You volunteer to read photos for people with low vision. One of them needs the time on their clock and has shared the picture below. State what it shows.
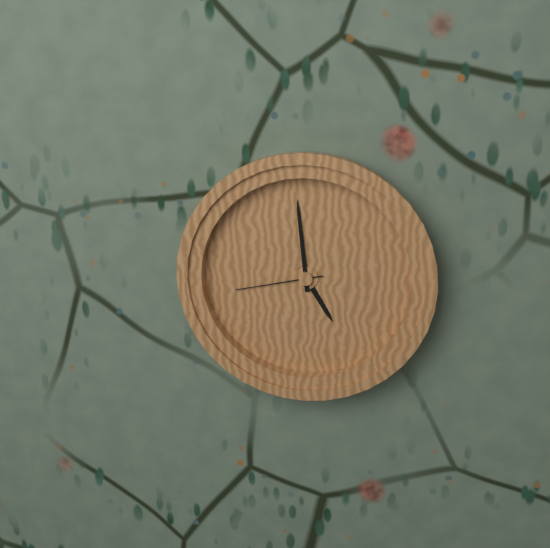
4:59:43
